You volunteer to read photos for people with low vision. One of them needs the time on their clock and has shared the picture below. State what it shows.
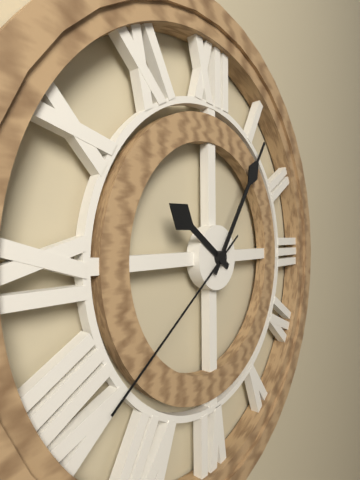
10:06:39
